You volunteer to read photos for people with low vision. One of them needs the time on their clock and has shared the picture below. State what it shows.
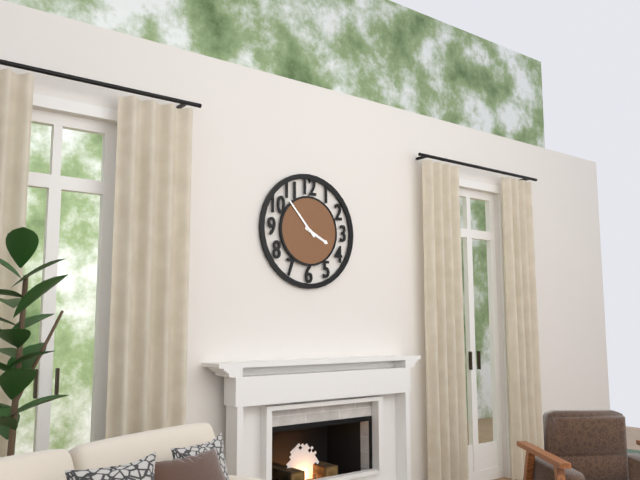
3:53
